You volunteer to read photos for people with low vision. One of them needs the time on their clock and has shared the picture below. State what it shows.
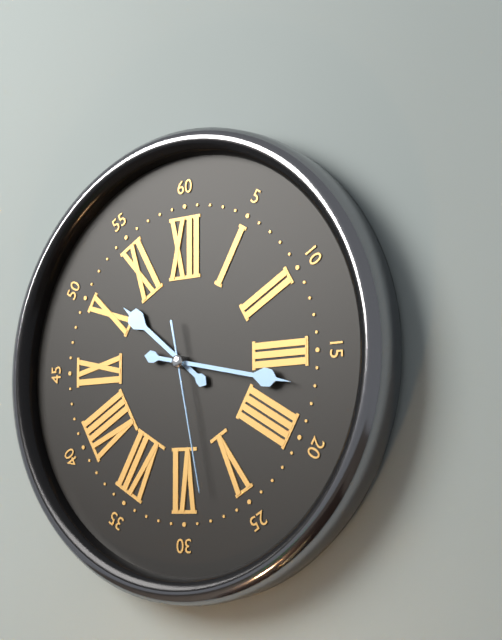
10:17:28
